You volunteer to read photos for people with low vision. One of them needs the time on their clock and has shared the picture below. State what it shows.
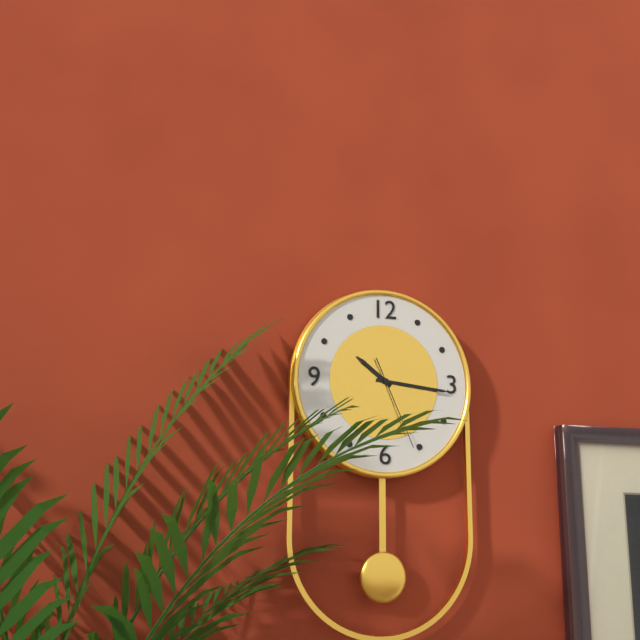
10:16:26
